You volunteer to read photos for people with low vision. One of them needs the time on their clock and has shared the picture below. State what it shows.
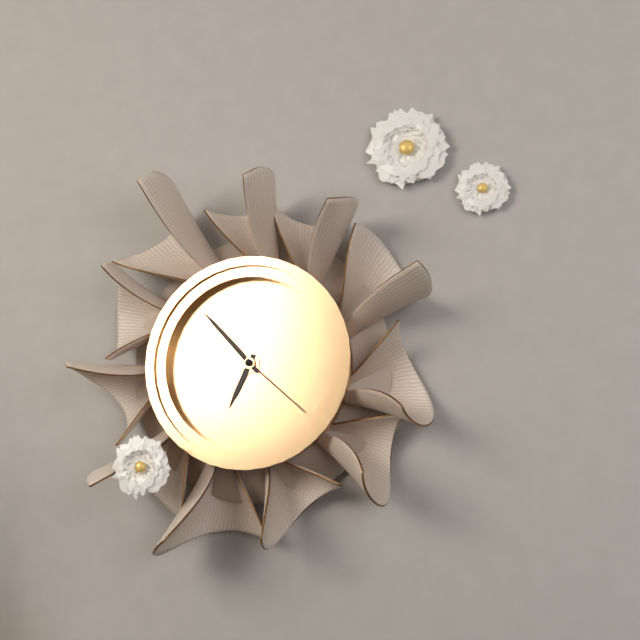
6:53:22
